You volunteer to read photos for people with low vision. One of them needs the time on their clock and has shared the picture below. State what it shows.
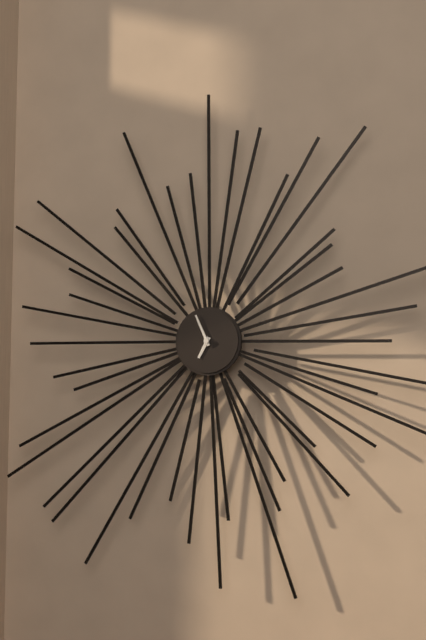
6:56
